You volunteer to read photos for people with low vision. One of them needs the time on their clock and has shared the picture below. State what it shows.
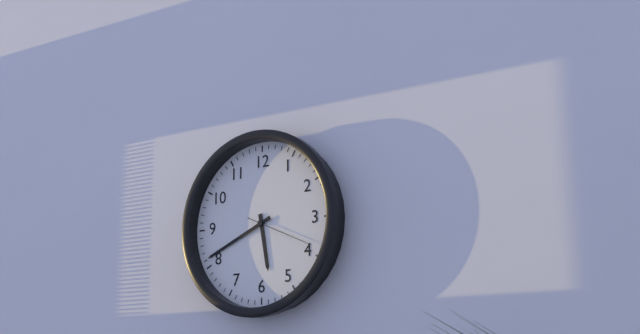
5:41:19
